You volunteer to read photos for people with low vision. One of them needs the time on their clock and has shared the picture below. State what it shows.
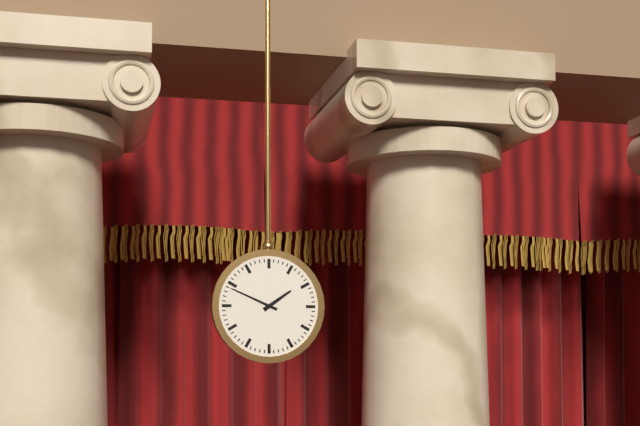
1:49
